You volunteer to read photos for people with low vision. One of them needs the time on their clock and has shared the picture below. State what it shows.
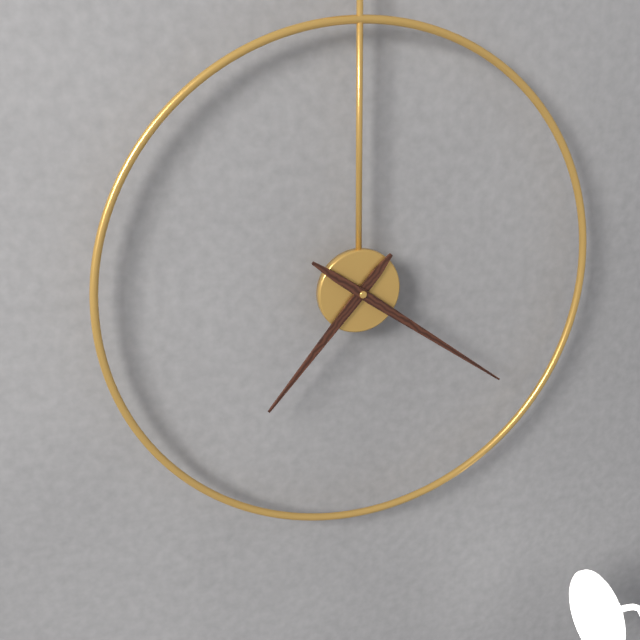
7:21
